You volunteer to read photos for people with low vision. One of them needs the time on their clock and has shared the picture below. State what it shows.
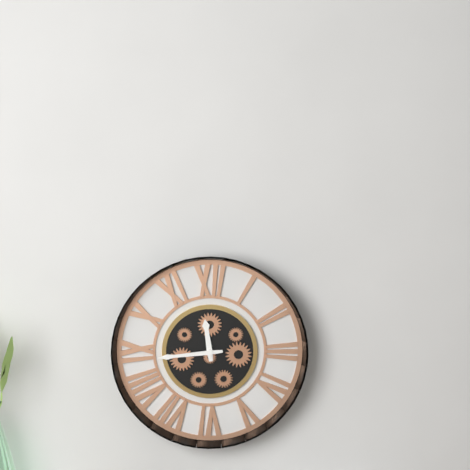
11:44
